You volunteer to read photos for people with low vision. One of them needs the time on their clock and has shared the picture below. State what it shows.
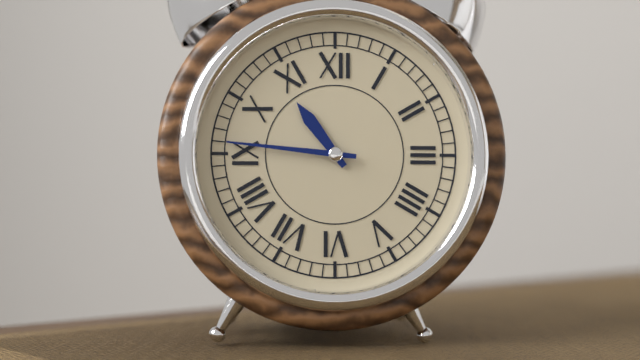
10:46
